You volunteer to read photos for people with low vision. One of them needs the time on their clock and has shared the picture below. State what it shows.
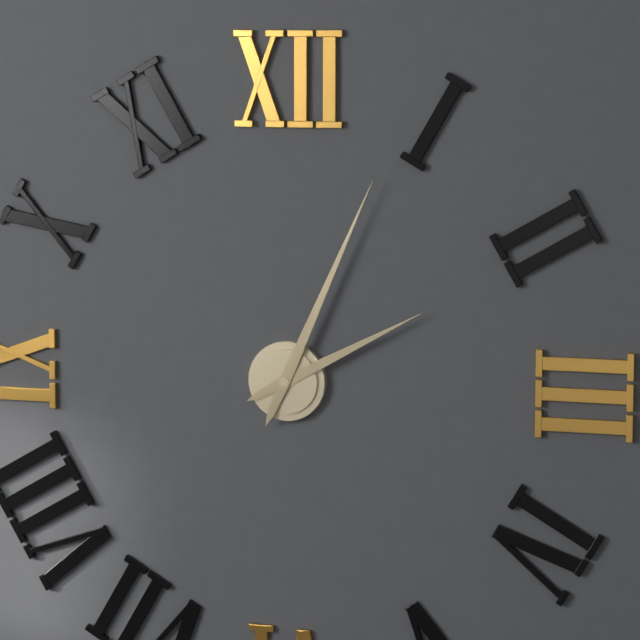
2:04
